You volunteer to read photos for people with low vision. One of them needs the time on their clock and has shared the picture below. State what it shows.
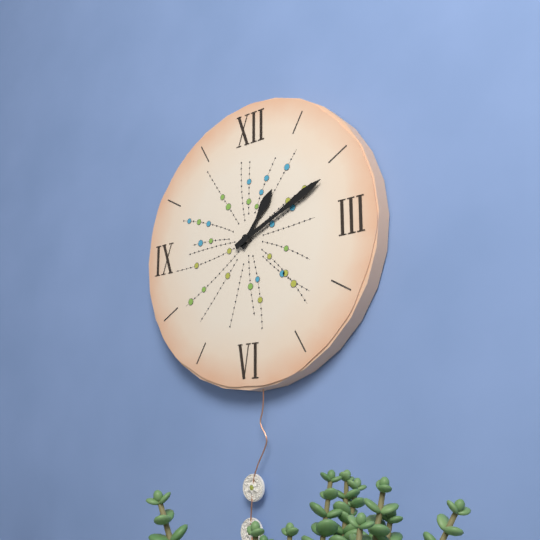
1:11
